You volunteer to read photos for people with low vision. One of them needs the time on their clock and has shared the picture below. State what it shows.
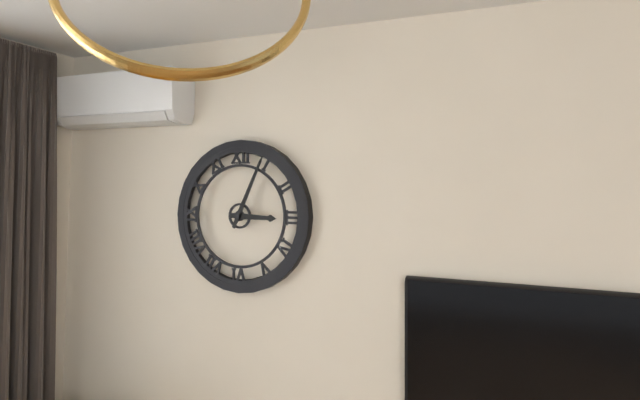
3:04
